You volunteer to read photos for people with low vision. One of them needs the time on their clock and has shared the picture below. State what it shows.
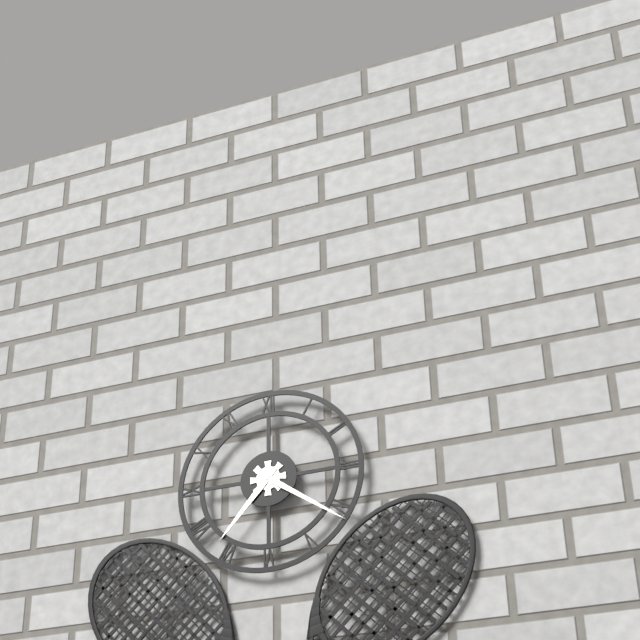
7:21
